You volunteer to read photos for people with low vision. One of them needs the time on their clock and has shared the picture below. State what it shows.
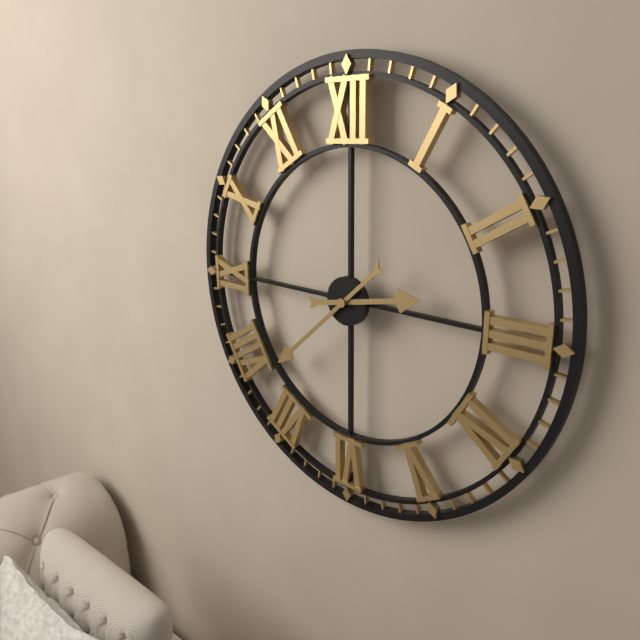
2:38
